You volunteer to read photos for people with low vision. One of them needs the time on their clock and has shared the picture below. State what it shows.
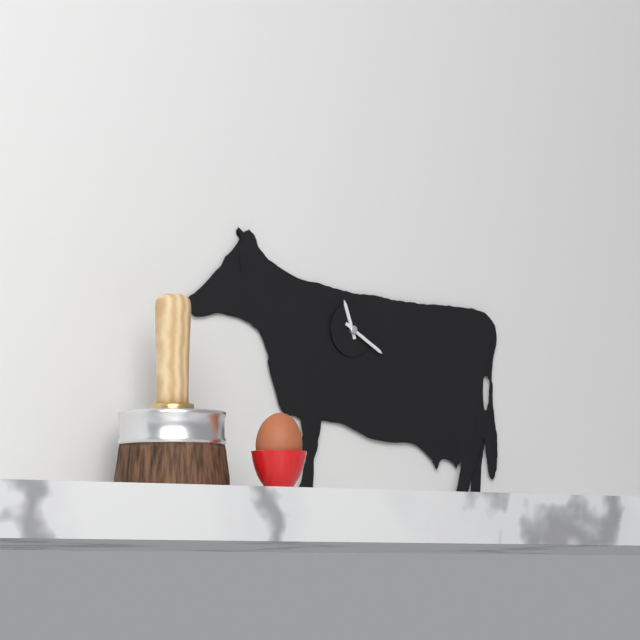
11:20
